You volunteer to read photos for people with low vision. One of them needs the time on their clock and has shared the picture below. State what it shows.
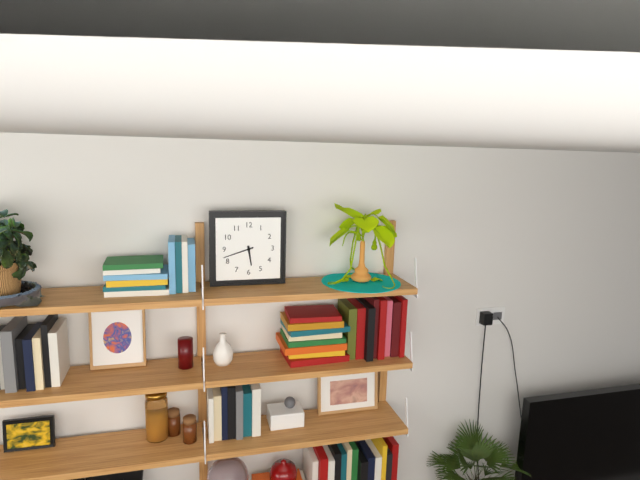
5:42
